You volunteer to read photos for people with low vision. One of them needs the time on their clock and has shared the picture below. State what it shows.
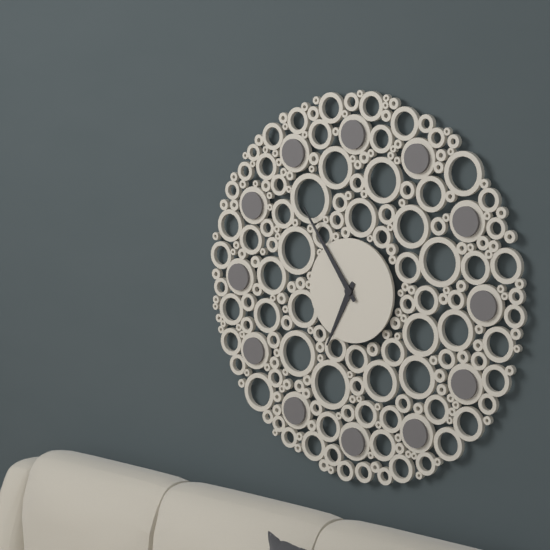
6:54
